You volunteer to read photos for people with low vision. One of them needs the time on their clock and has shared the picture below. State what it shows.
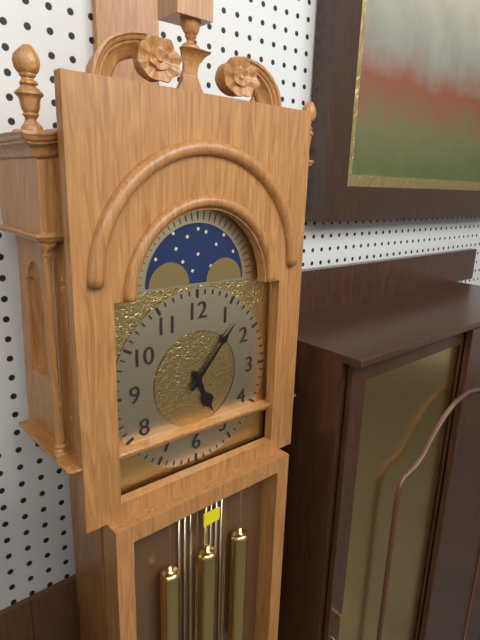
5:07
